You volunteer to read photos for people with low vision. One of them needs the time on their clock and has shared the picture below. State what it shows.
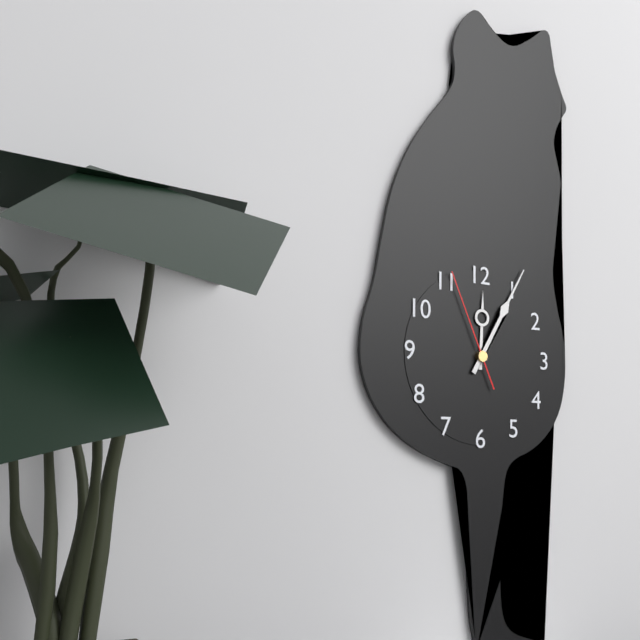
12:05:56
